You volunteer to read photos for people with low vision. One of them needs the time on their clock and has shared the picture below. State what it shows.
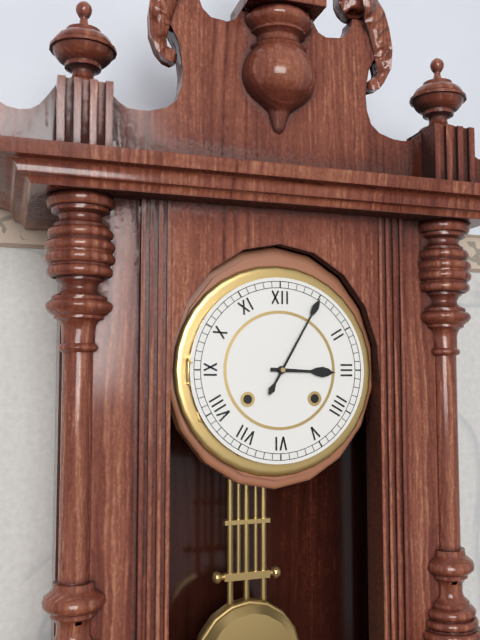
3:05
